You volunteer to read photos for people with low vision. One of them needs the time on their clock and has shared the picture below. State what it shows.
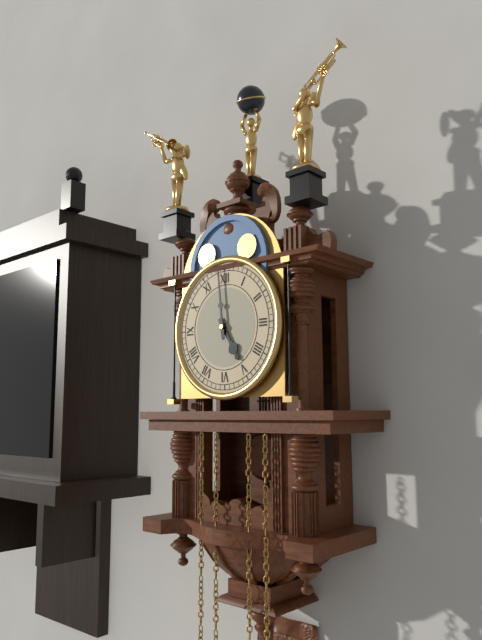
4:59
